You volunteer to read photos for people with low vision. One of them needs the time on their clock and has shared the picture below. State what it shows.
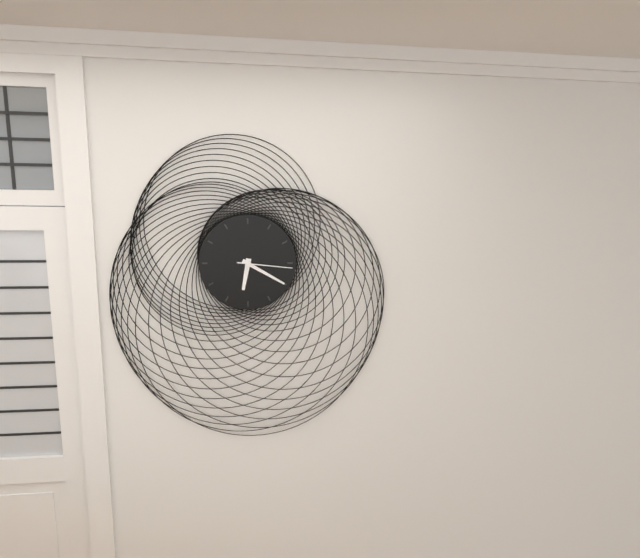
6:20:16
